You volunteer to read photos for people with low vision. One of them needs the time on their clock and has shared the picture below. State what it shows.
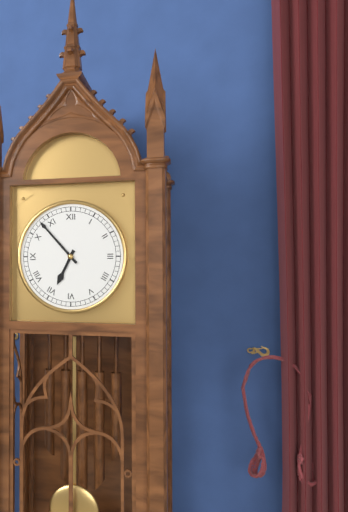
6:53
